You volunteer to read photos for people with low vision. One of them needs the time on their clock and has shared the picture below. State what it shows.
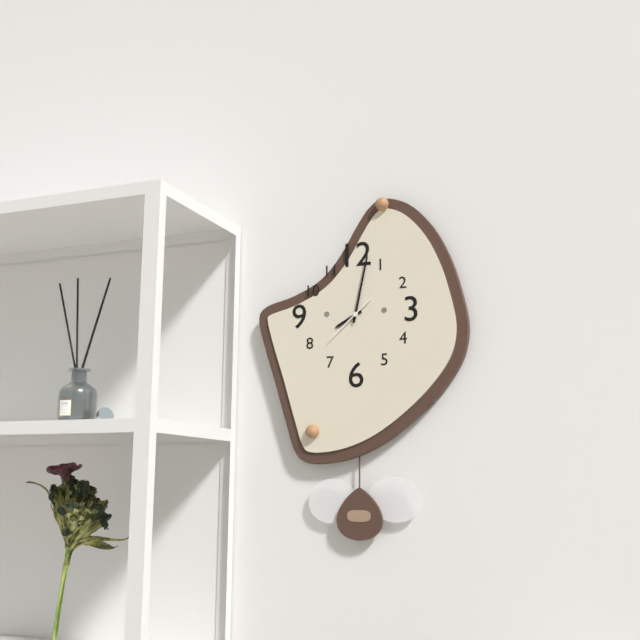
8:02
